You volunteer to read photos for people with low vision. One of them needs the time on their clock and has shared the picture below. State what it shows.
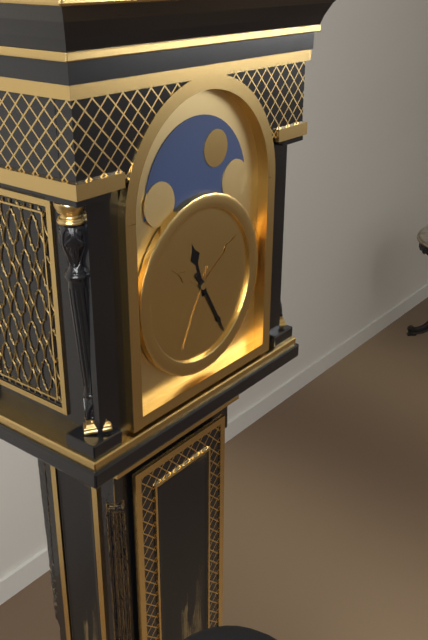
11:25
